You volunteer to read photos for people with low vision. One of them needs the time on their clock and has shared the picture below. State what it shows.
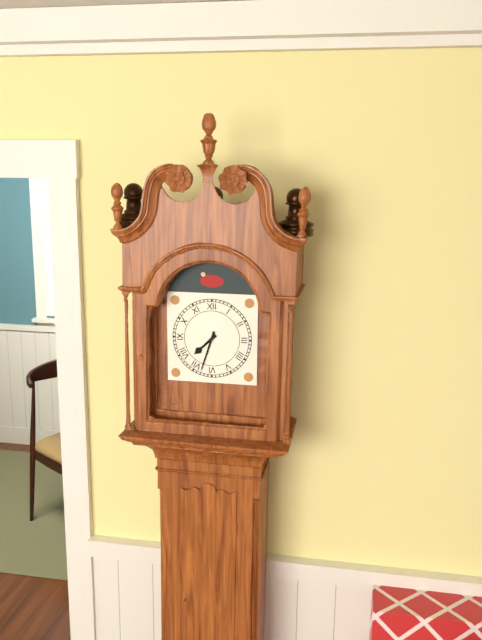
7:33
